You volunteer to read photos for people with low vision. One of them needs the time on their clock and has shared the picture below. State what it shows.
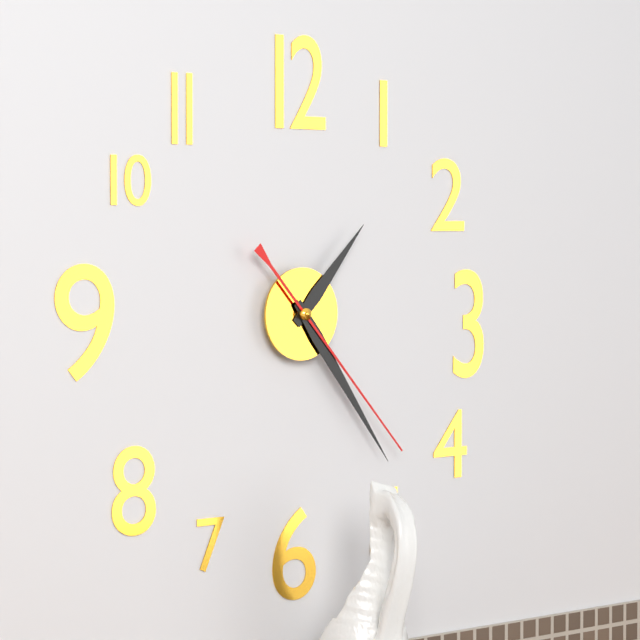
1:24:23
